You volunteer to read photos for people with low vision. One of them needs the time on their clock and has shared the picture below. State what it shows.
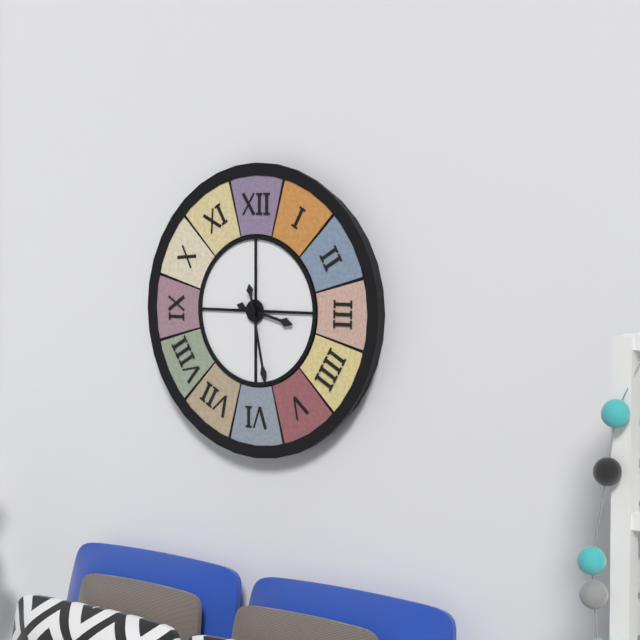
3:28
